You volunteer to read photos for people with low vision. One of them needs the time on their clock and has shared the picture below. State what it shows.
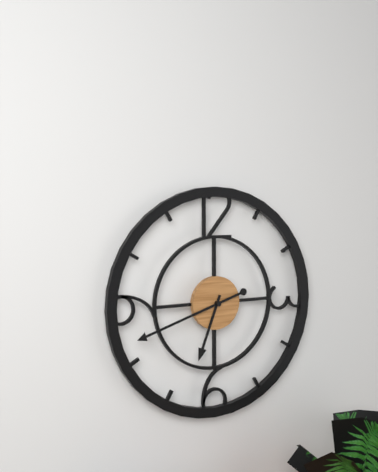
6:42
